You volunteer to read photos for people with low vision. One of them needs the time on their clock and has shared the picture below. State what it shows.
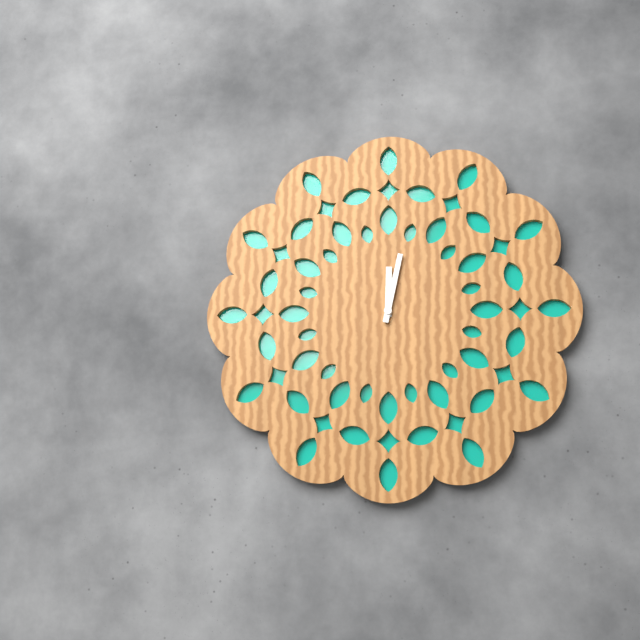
12:02
